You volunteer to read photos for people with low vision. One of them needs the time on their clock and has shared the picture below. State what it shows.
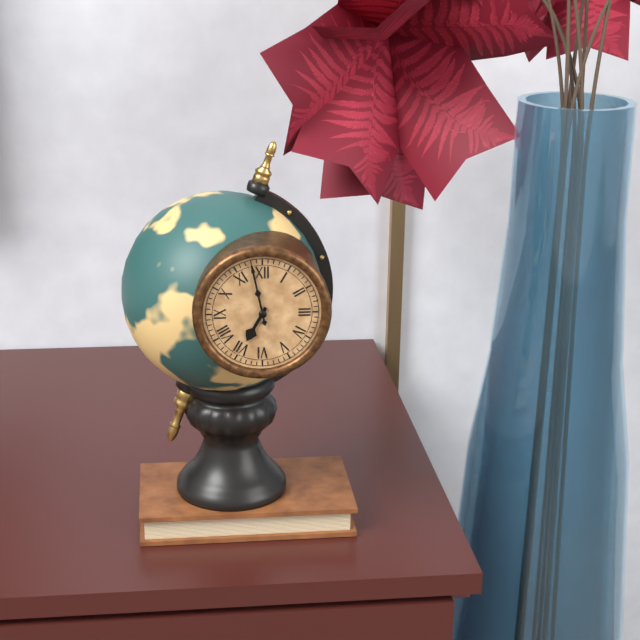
6:58
